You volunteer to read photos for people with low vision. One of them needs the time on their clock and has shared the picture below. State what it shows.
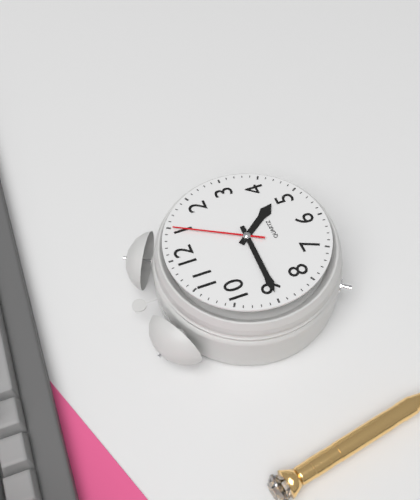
4:45:05
